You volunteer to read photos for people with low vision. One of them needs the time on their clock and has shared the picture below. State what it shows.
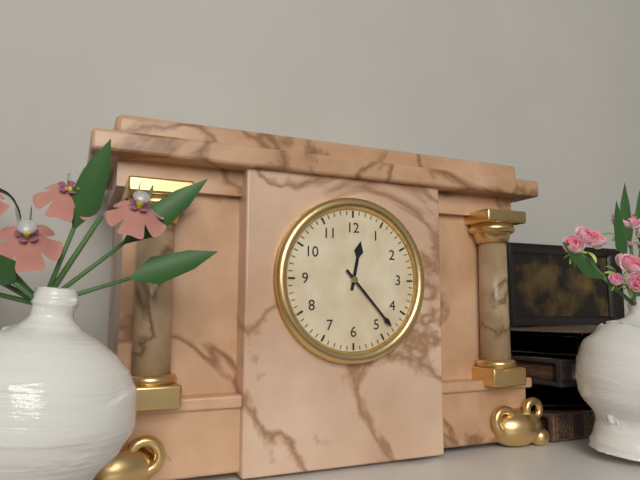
12:23
